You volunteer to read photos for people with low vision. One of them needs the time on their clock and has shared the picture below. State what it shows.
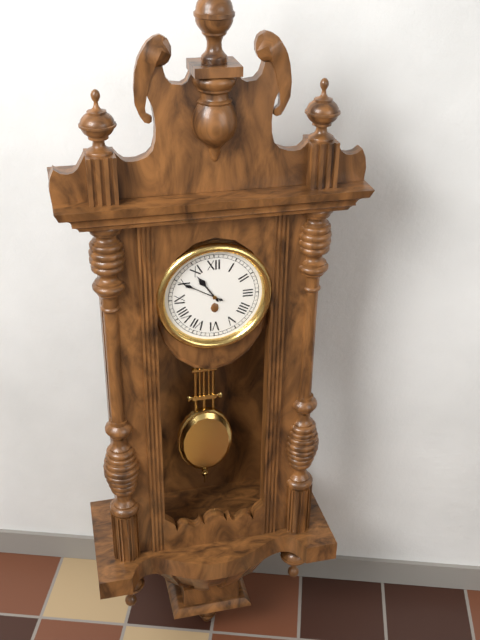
10:50
